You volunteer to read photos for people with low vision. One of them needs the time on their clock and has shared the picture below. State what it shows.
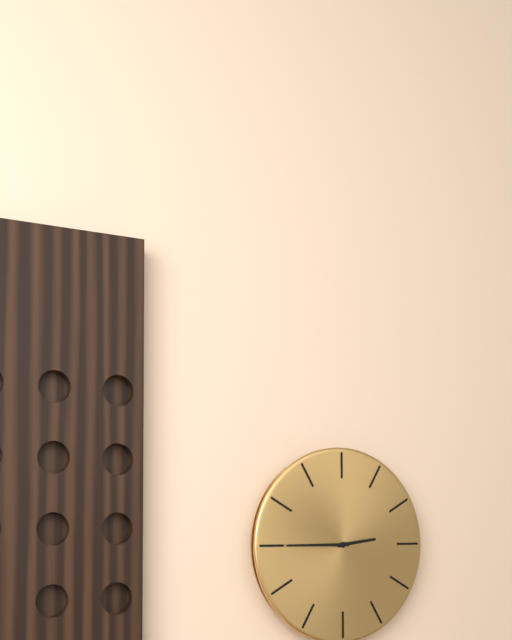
2:45
